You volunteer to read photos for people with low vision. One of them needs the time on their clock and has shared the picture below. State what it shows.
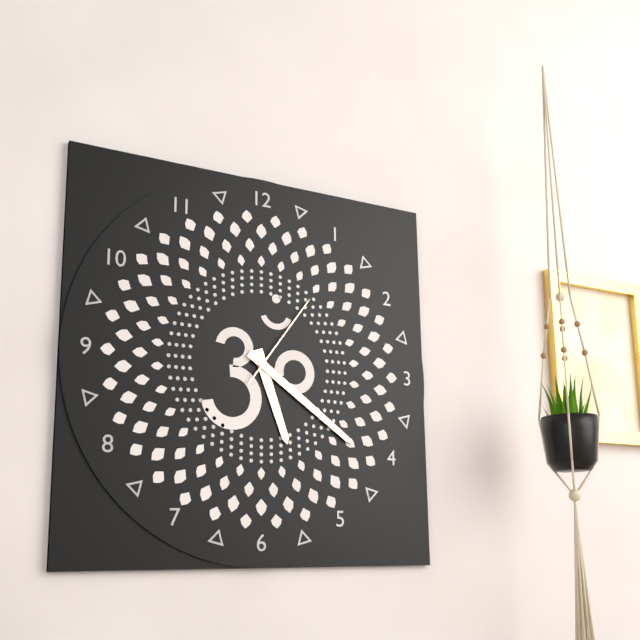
5:21:06
